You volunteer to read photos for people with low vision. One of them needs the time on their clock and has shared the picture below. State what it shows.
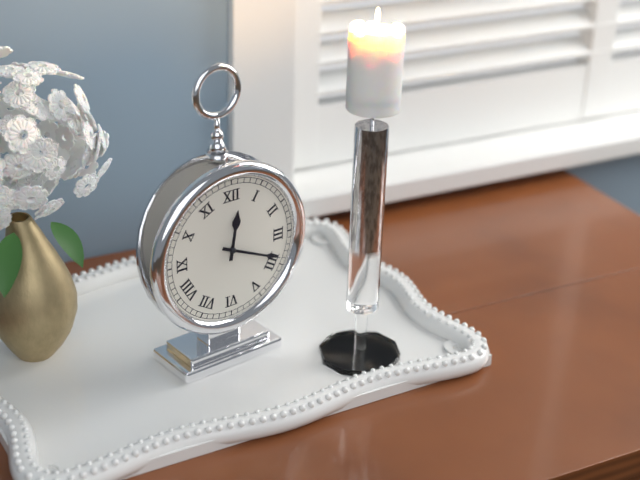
12:19
